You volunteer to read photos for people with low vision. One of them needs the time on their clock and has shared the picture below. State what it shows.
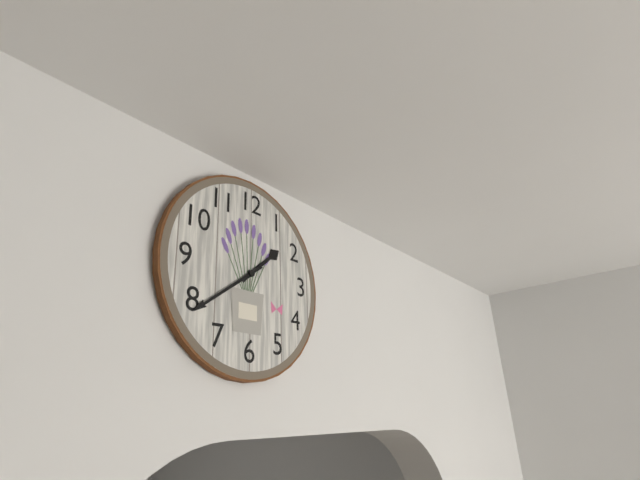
1:39
